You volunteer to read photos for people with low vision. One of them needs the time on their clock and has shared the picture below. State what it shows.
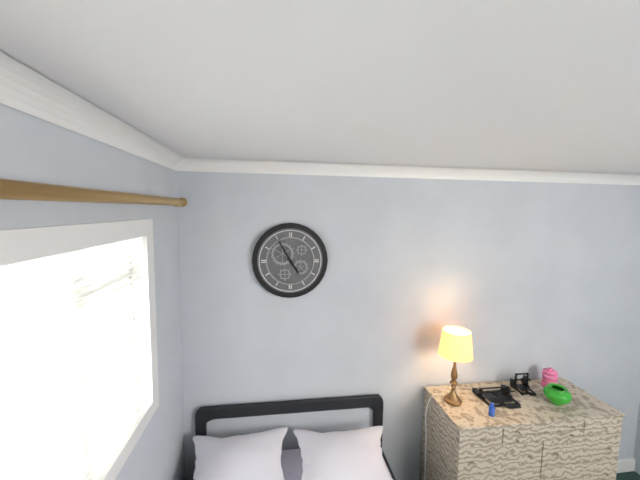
4:55
